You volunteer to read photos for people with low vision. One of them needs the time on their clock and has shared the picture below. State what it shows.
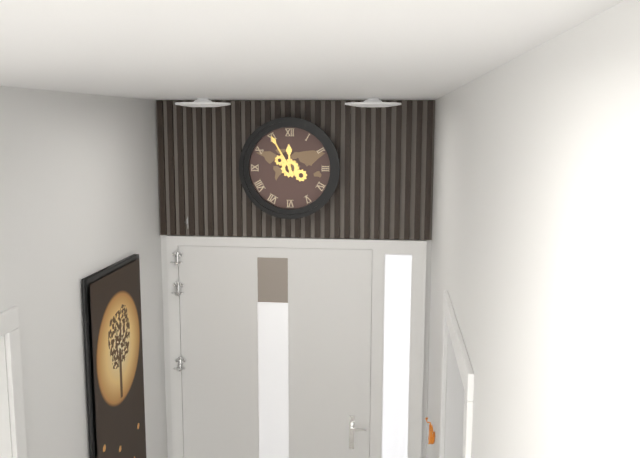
11:55
